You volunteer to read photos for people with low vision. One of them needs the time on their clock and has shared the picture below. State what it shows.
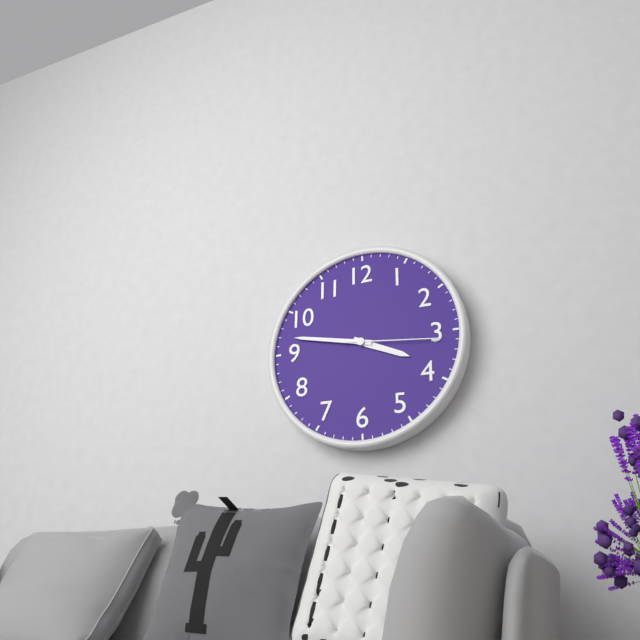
3:47:16
